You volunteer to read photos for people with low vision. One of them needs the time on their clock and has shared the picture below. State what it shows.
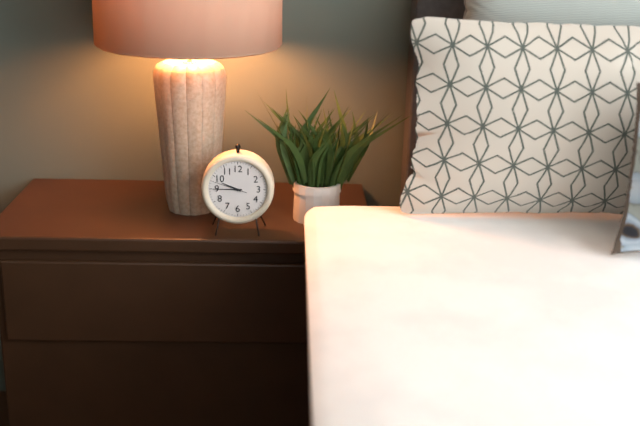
9:45
